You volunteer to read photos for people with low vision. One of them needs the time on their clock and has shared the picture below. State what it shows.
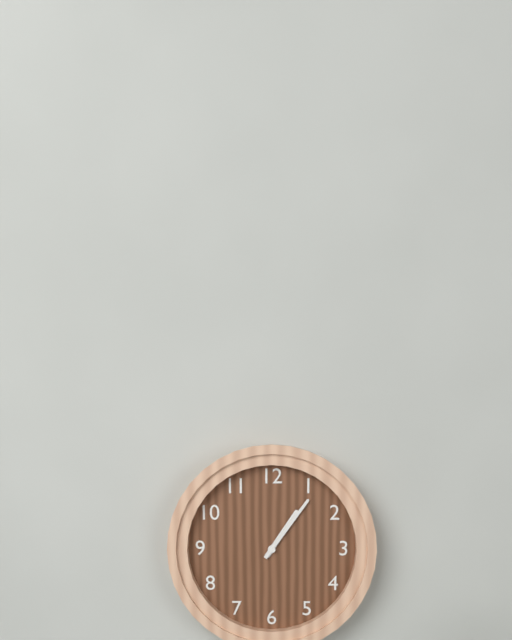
1:06
